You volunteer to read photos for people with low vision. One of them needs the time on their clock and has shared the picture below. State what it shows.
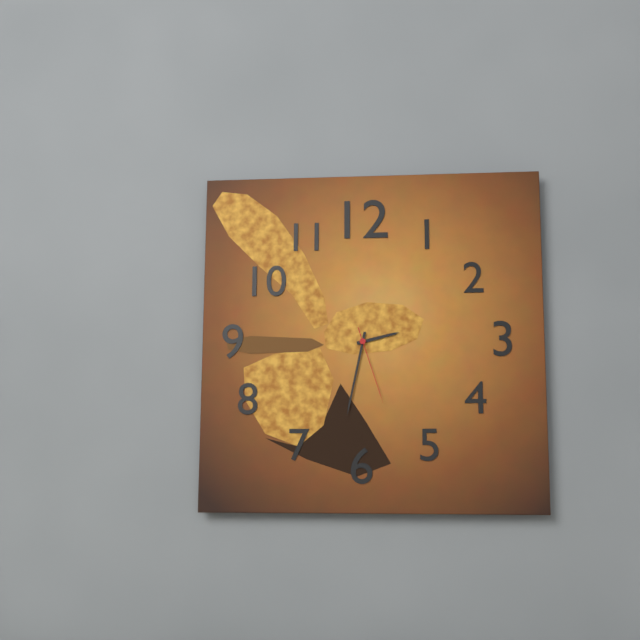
2:32:27
